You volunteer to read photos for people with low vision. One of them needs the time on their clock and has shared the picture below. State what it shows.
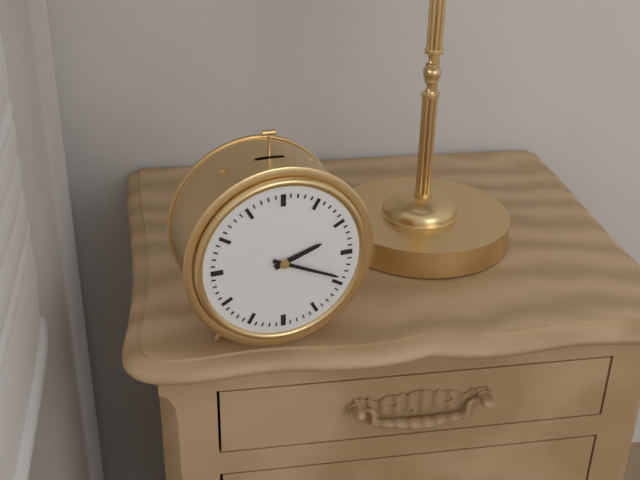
2:19
